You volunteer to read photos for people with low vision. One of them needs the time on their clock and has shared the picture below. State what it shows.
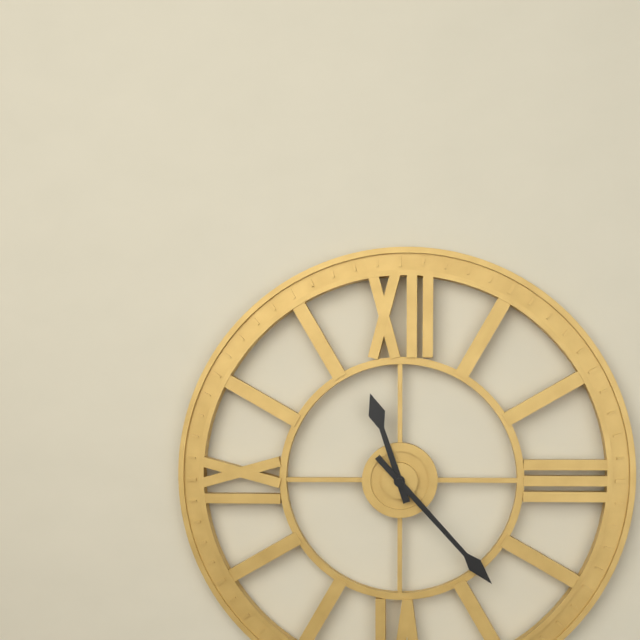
11:23
